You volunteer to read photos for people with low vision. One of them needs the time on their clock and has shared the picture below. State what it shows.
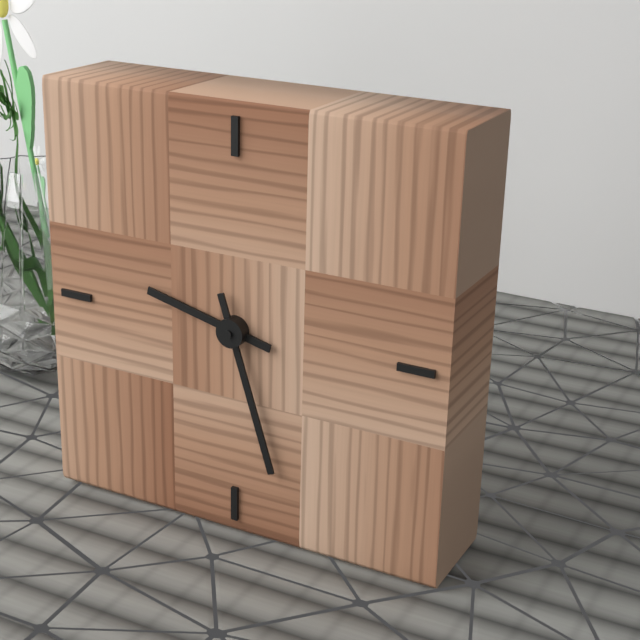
9:27
